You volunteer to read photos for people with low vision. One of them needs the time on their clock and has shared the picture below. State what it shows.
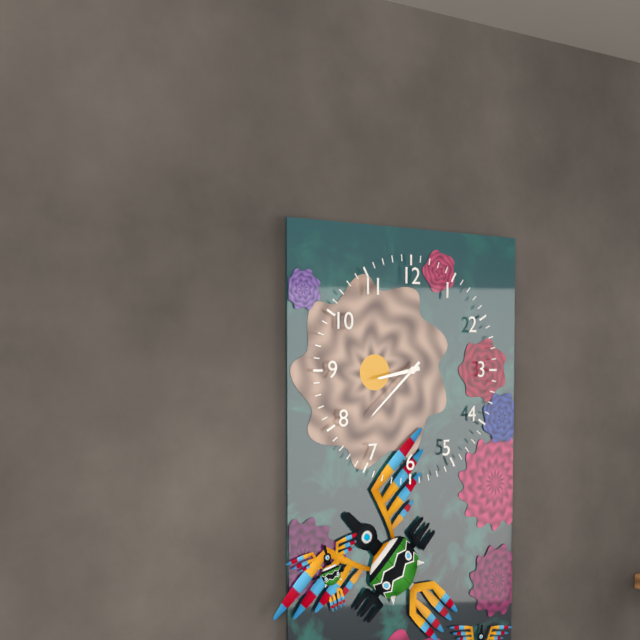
8:38
